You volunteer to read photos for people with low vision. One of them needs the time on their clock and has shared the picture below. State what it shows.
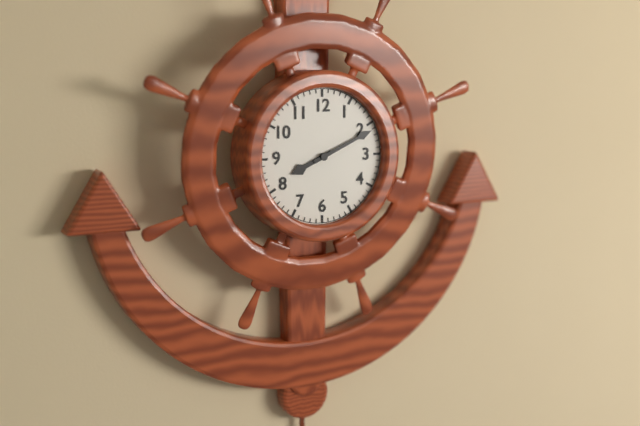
8:11
